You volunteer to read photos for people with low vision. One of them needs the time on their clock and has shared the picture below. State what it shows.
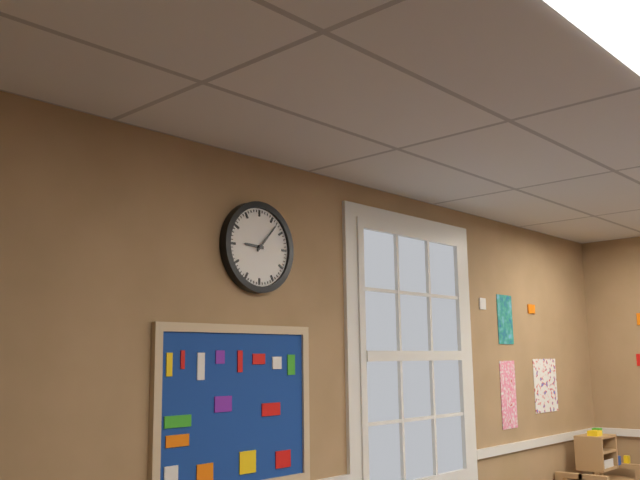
9:07
